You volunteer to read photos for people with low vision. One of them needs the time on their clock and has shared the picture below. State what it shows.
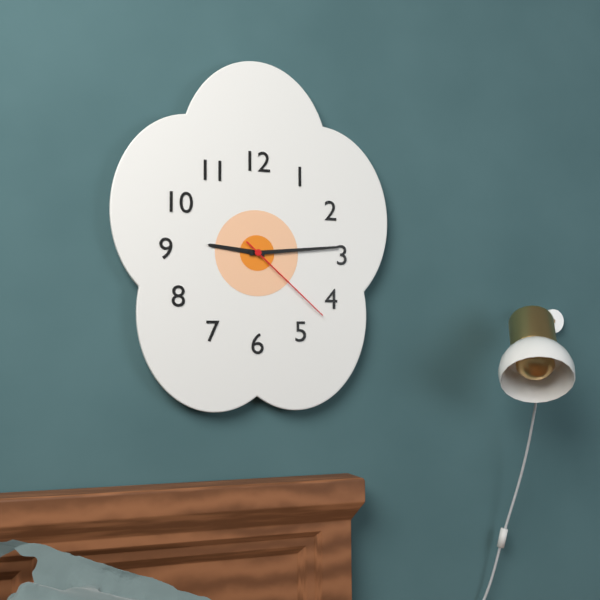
9:14:22
